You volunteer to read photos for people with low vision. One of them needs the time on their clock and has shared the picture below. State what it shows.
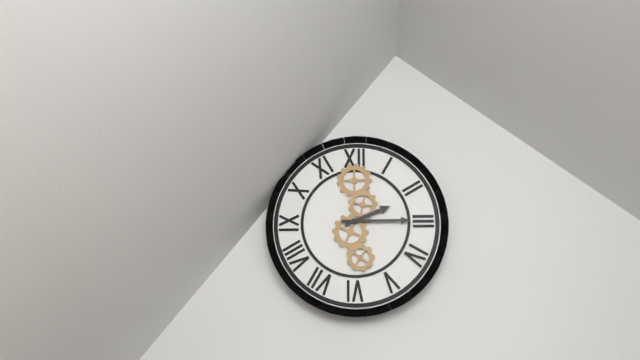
2:15
